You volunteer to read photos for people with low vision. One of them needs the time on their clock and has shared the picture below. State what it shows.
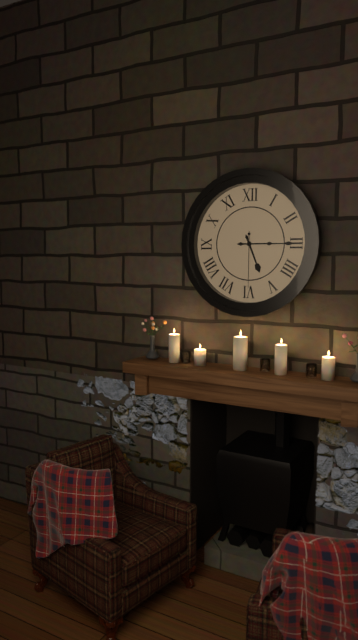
5:15:30
